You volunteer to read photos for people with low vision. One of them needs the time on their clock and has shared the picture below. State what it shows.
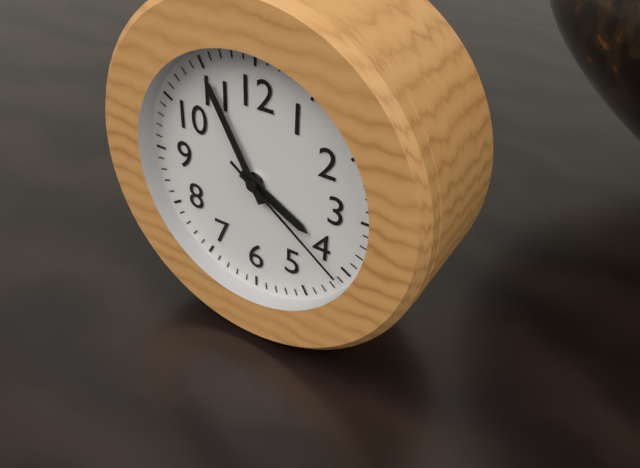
3:55:21
